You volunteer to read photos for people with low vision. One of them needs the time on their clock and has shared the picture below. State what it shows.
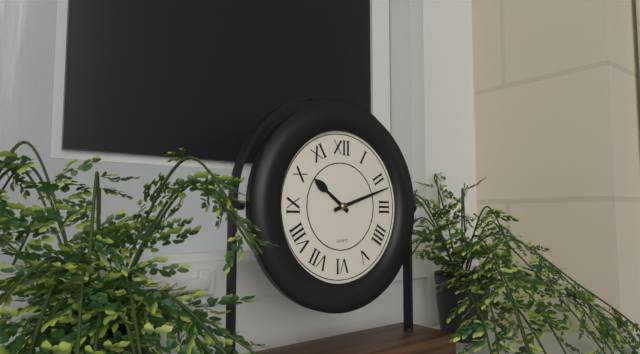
10:12
